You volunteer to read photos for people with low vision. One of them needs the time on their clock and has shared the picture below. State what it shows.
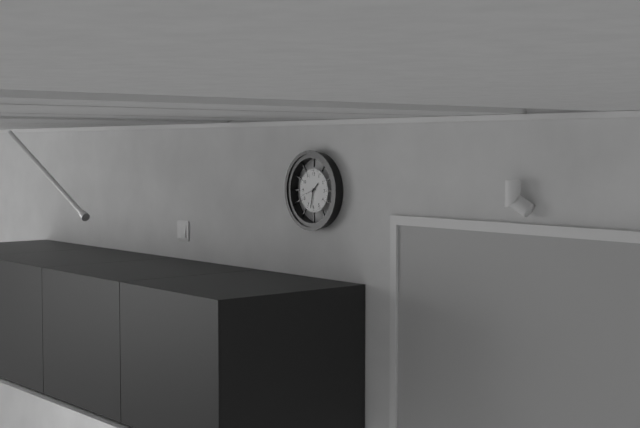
1:32
